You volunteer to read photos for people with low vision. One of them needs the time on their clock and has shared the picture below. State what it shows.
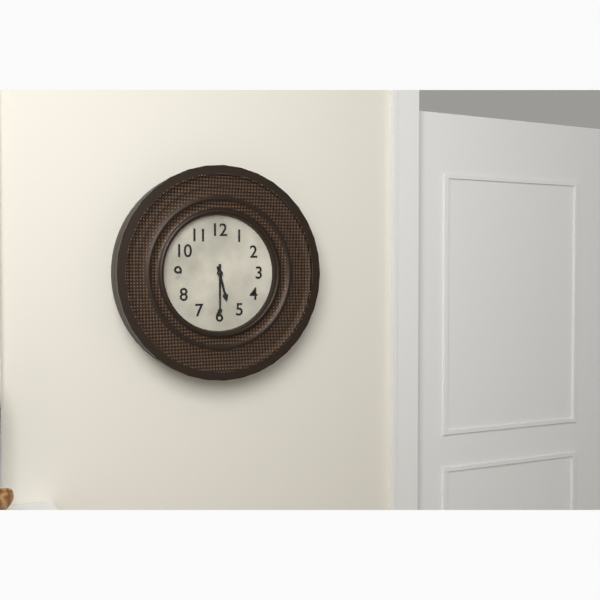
5:30
